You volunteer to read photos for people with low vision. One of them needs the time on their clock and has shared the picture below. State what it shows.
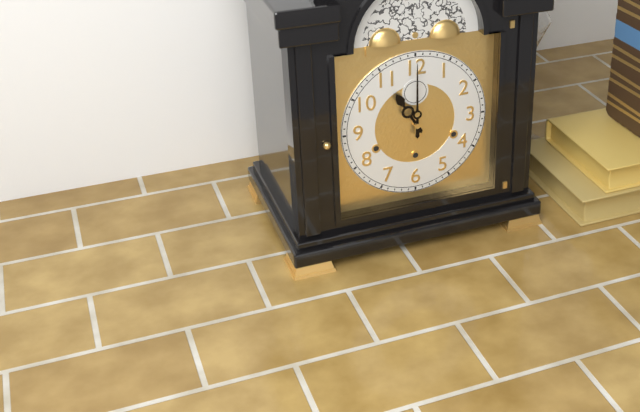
11:00
